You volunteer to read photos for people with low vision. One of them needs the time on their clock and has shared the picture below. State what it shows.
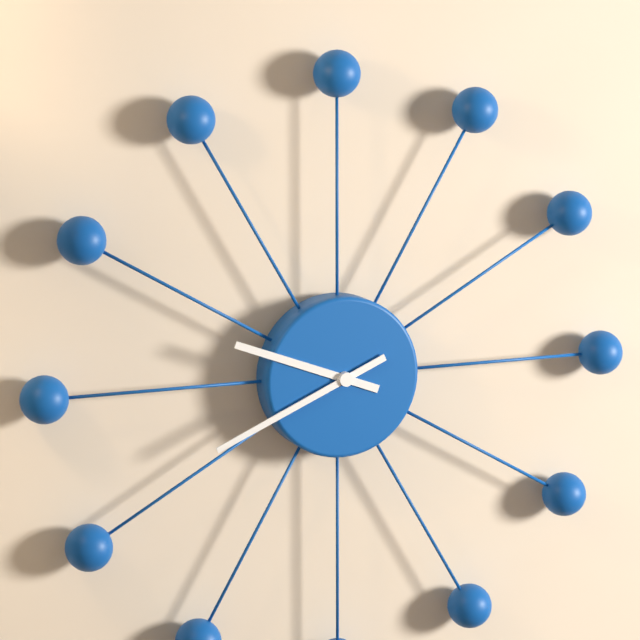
9:41
